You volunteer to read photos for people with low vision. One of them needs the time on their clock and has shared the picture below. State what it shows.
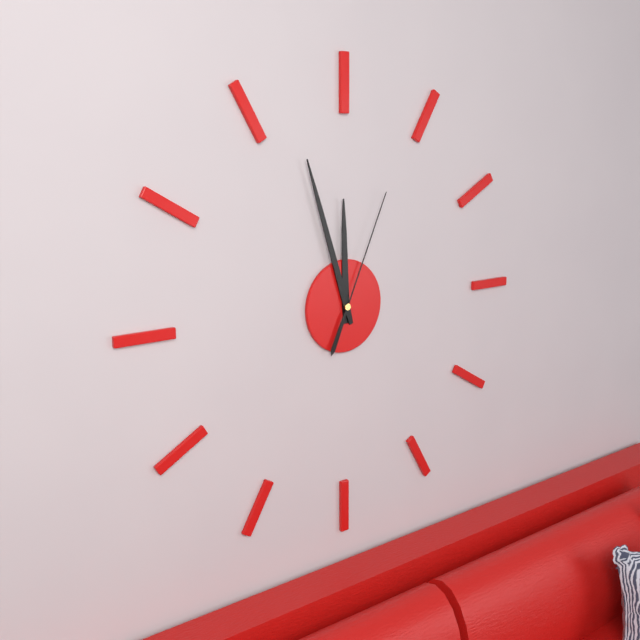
11:57:04
